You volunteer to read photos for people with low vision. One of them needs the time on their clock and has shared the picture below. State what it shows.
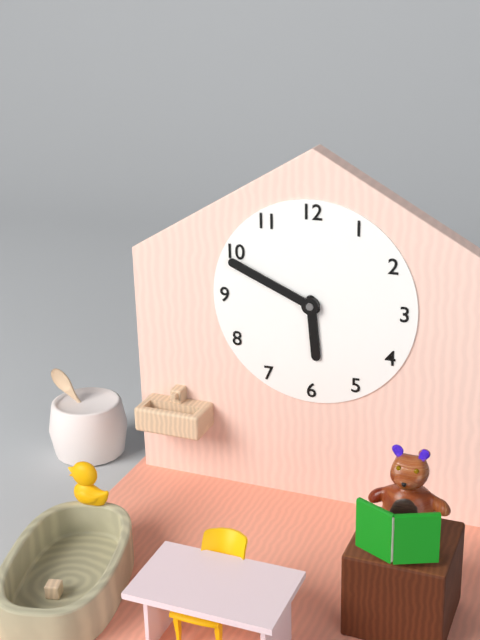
5:49
